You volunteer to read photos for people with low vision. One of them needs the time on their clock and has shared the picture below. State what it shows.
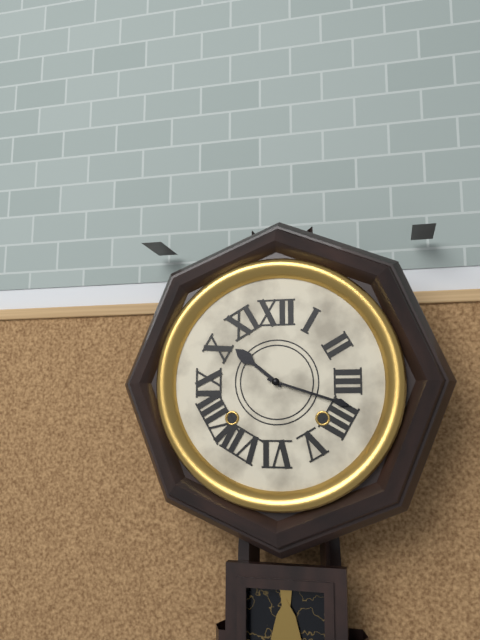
10:18
